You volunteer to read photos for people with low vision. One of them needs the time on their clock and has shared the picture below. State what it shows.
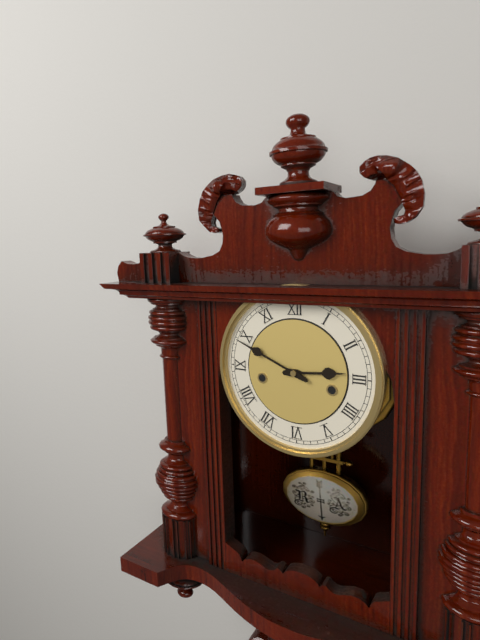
2:49
